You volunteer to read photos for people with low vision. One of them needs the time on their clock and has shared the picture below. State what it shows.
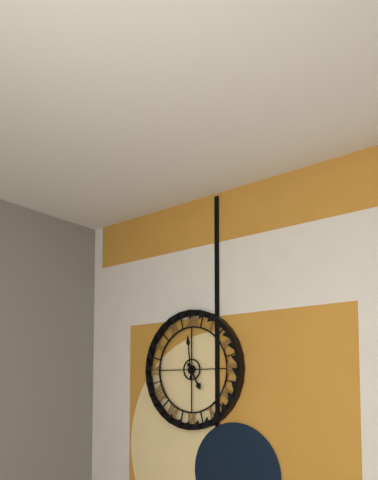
4:59
